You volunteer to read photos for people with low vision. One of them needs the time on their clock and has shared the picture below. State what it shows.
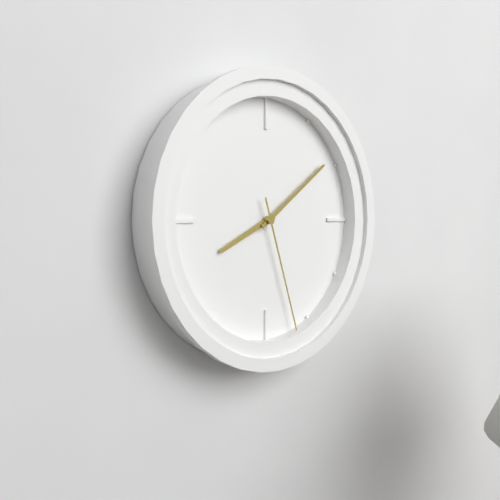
8:09:27
